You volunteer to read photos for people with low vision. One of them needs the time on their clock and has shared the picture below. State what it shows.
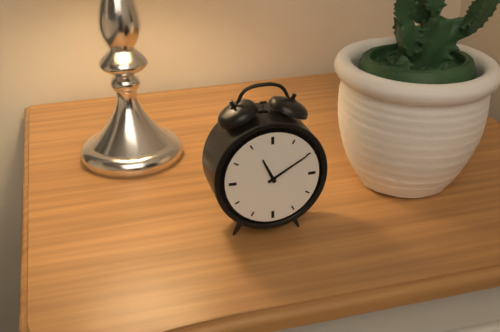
11:10
